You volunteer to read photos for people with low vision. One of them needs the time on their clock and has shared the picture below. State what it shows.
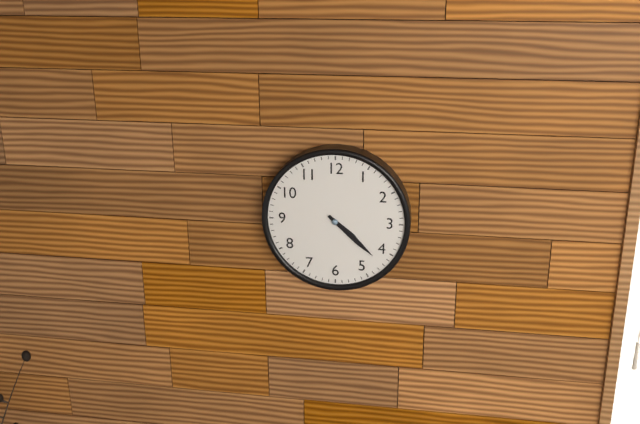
4:22
